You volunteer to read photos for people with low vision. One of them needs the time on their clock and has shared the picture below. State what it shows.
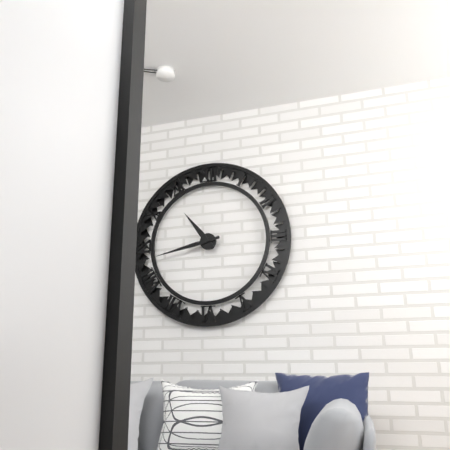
10:43
